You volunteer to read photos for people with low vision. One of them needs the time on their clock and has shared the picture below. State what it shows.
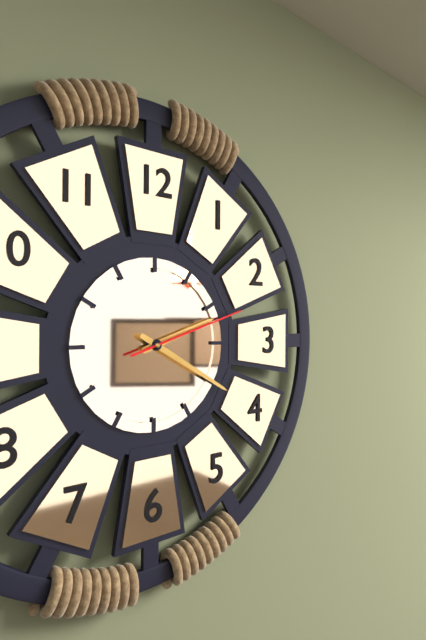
2:20:12
